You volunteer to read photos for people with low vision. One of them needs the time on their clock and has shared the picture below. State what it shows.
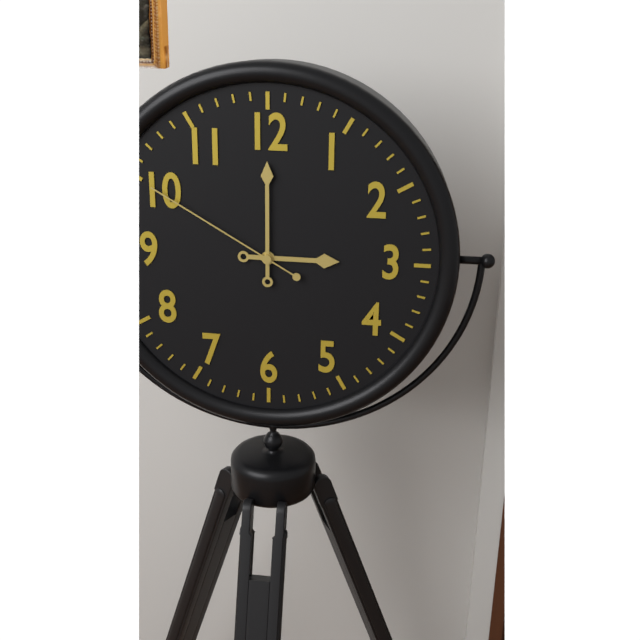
3:00:50
